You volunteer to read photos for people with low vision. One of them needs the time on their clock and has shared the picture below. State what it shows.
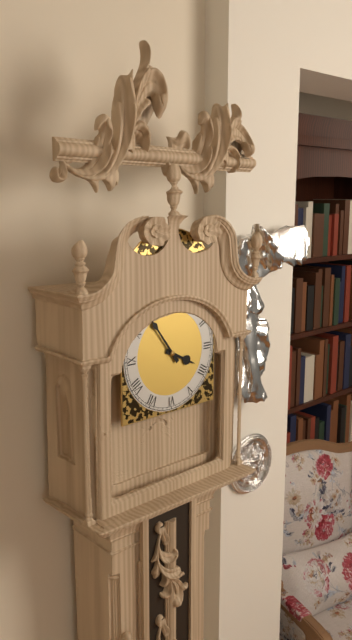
3:54
